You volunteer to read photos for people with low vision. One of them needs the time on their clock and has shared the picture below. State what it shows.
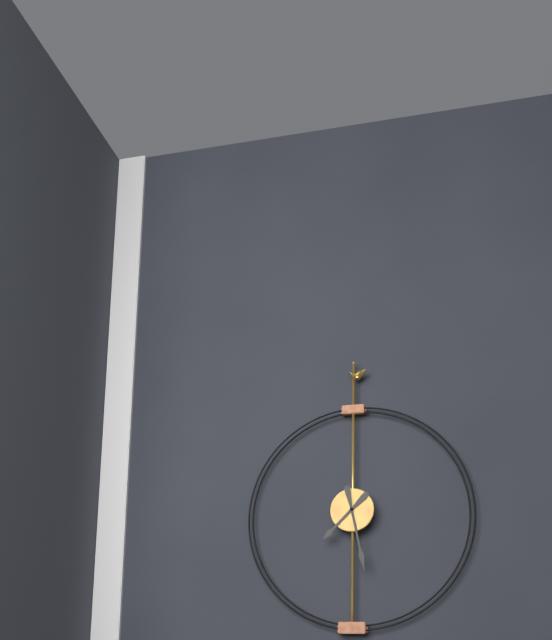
7:28
